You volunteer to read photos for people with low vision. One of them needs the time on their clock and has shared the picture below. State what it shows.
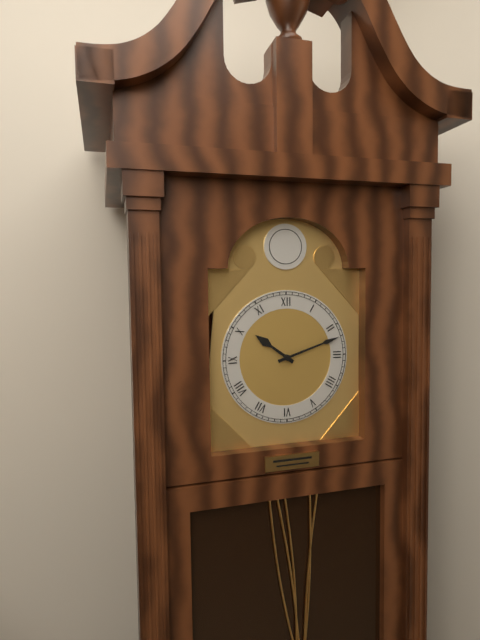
10:12
